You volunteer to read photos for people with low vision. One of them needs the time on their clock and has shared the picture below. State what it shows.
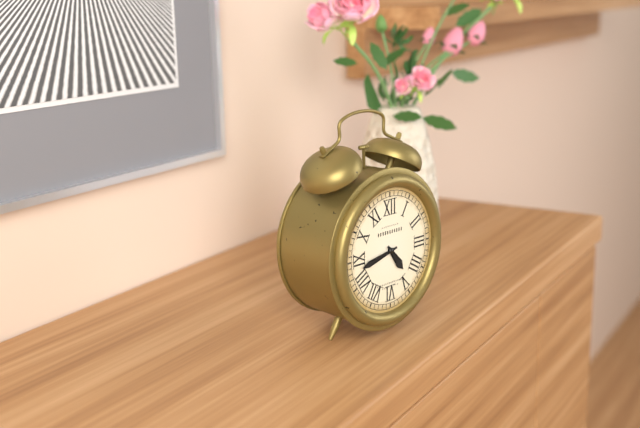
4:43
